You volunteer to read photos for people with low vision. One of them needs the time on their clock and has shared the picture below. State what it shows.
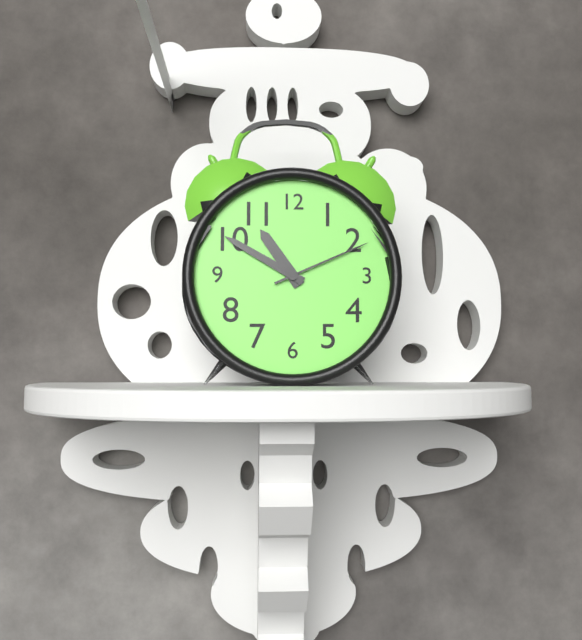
10:50:11
